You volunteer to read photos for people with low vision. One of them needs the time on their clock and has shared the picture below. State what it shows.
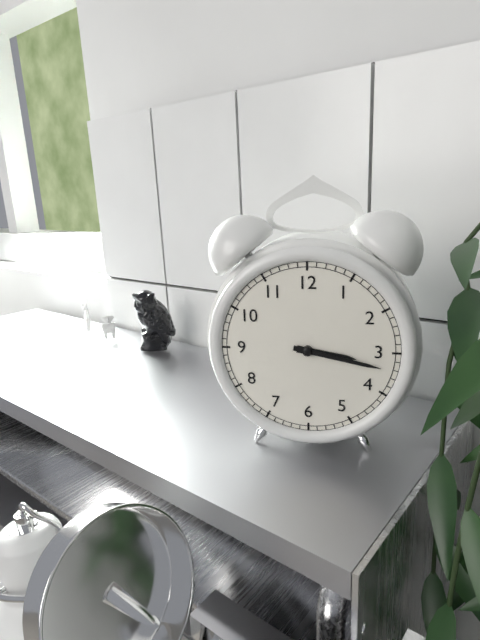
3:17
